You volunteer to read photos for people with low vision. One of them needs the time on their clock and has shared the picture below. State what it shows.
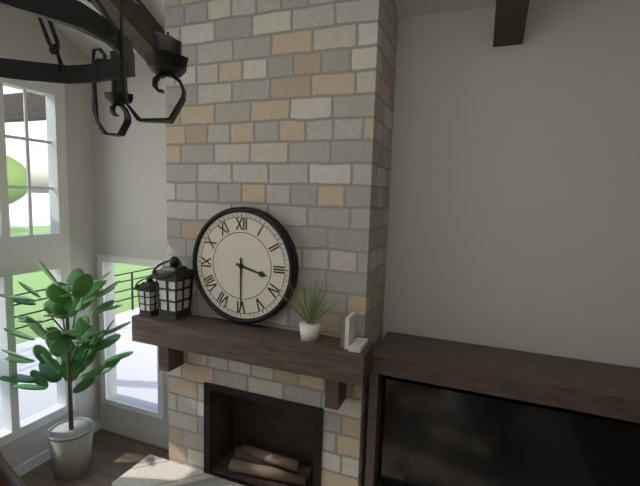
3:30
